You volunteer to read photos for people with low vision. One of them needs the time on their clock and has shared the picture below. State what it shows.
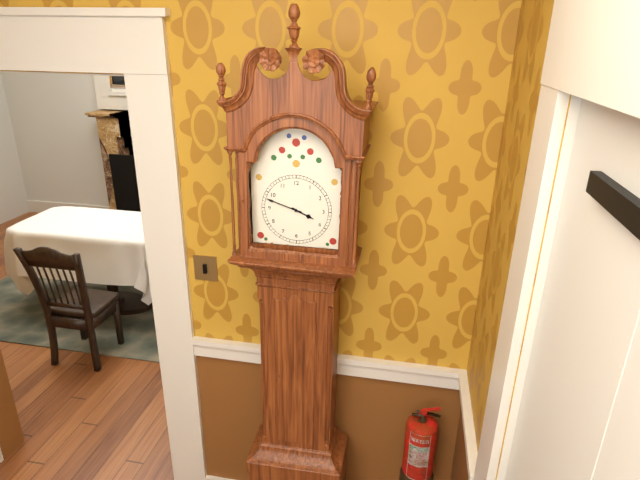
3:48
